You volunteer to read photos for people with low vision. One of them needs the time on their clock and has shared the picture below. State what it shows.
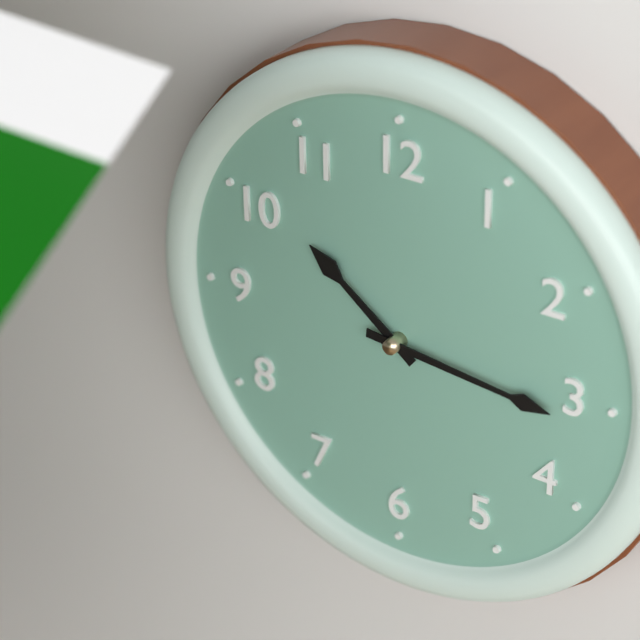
10:16
